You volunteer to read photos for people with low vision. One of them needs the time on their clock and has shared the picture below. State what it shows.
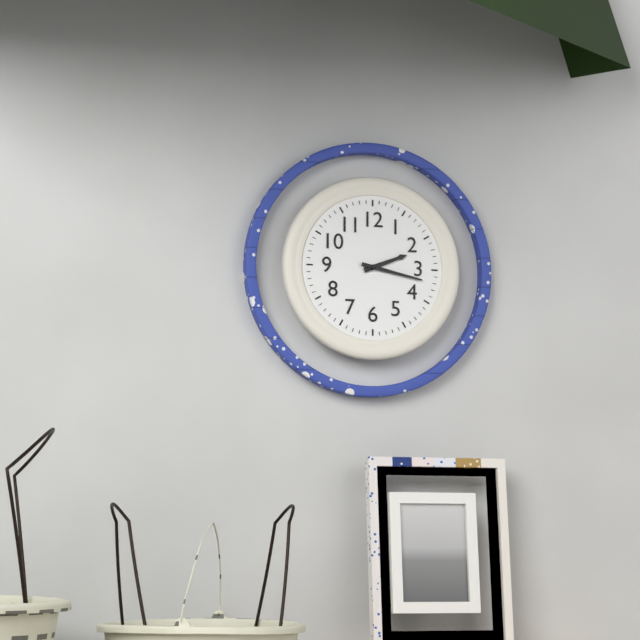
2:17
